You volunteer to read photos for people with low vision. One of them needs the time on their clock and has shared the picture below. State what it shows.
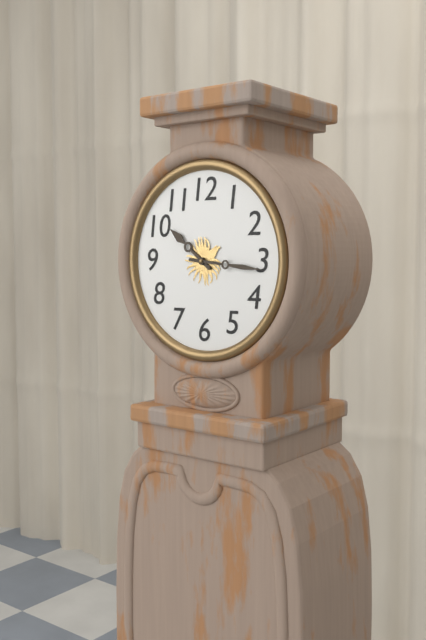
10:16
